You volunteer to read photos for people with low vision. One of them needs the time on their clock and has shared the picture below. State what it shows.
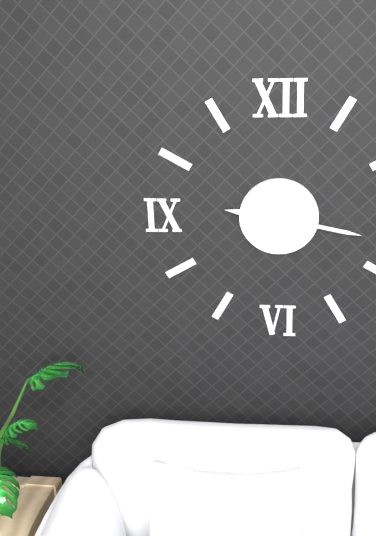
9:17
